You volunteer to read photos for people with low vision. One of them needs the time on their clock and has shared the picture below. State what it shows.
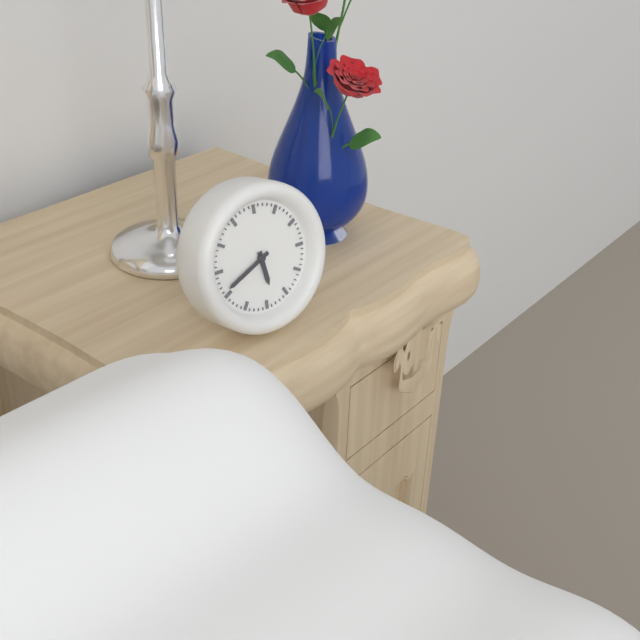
5:41
